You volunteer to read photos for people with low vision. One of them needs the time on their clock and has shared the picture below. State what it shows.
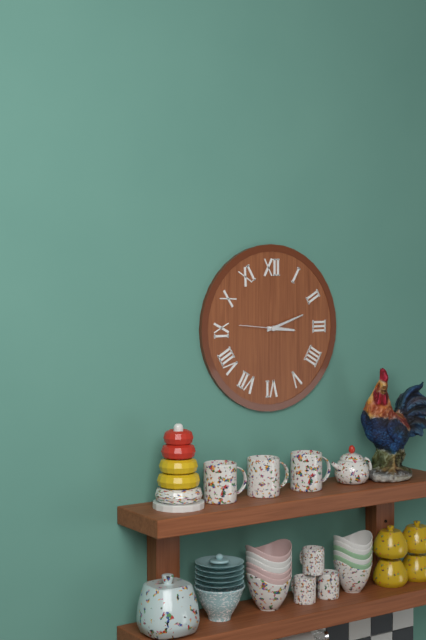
3:12
